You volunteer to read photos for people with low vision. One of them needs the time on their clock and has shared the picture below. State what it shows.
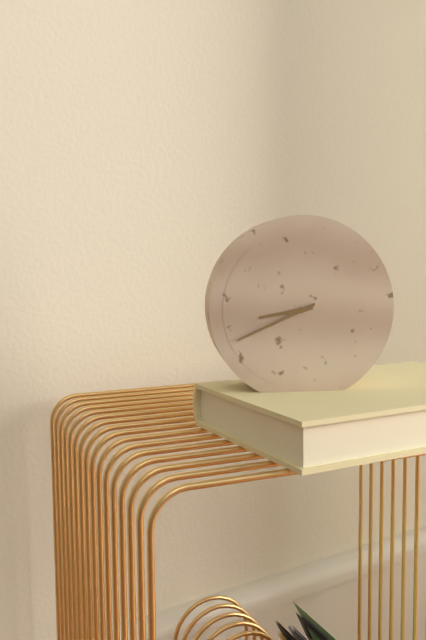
8:41
